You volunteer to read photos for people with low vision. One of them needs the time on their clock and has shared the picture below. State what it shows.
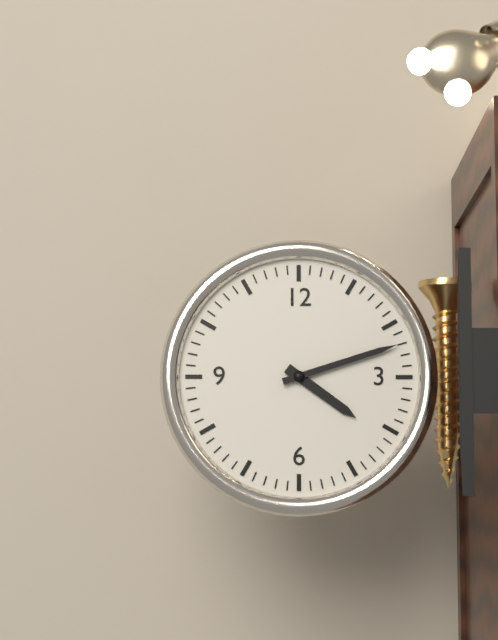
4:12
